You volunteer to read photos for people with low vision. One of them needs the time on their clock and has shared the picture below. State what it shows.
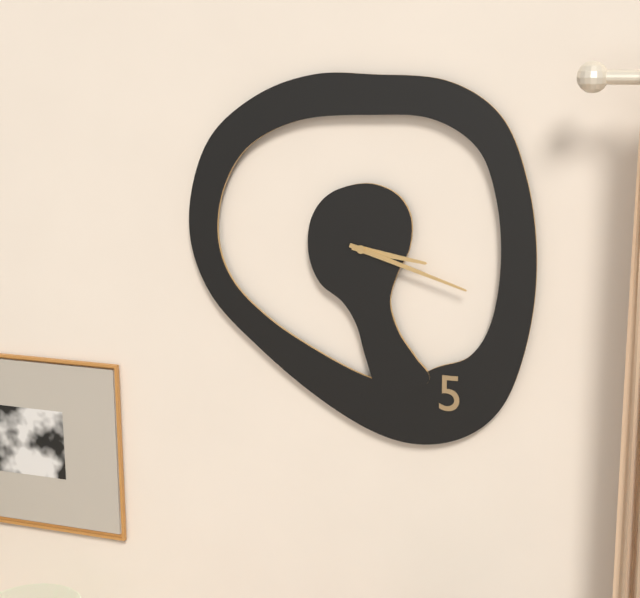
3:18
